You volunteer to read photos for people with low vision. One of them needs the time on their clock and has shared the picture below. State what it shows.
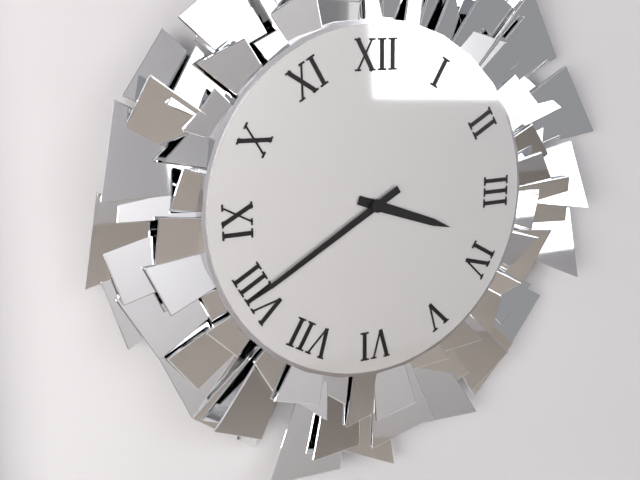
3:40
